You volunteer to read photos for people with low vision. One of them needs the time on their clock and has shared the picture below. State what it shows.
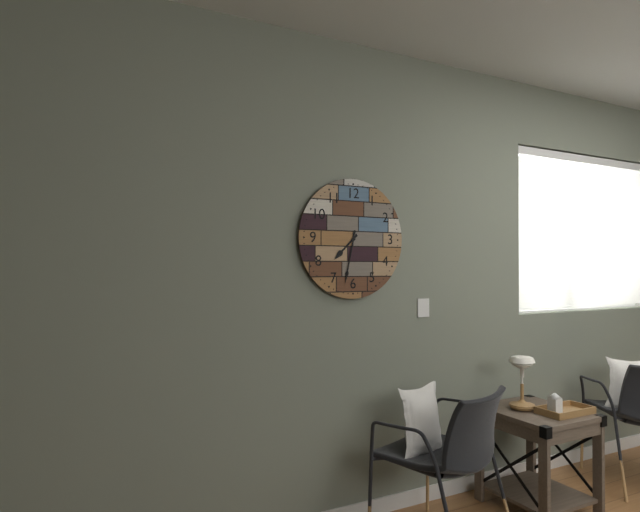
7:32
